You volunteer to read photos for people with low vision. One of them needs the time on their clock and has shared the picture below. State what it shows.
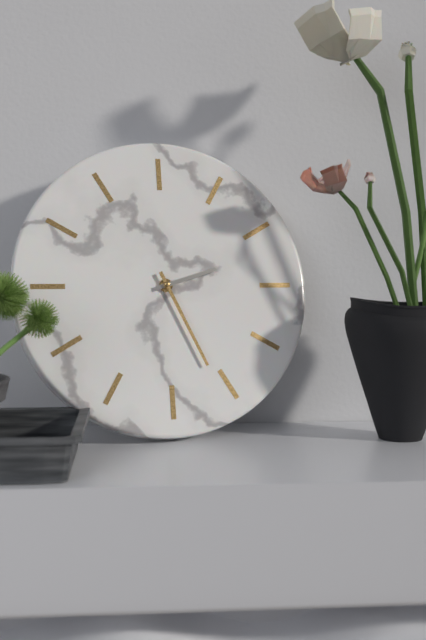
2:26
